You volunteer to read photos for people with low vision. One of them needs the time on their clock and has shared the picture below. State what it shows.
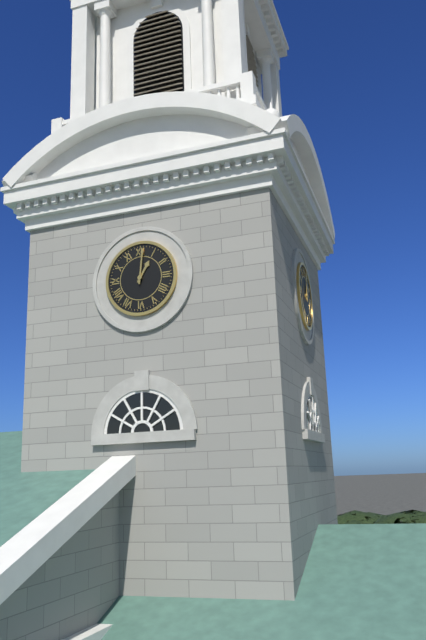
1:01
